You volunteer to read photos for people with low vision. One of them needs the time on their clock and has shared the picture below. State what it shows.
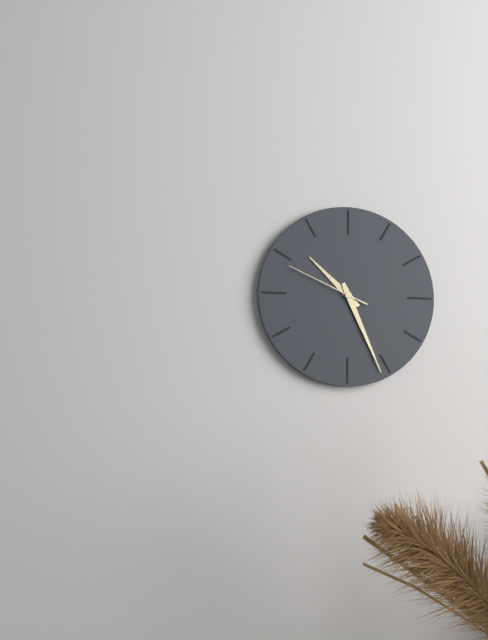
10:26:49
